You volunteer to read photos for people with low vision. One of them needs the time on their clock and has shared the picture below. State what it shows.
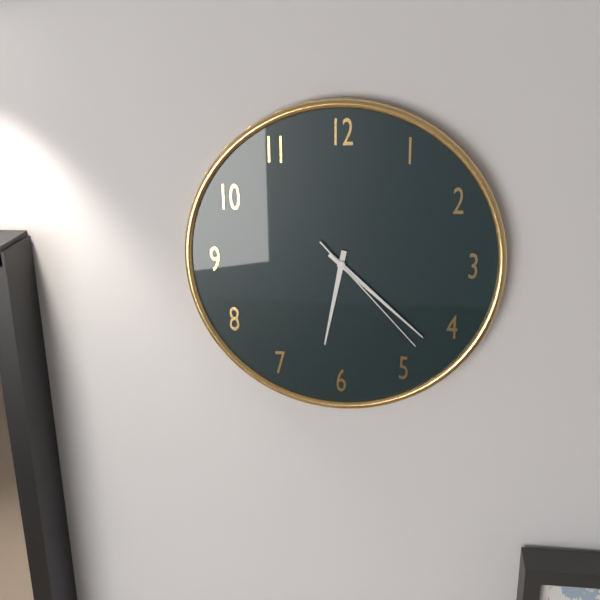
6:22:23
